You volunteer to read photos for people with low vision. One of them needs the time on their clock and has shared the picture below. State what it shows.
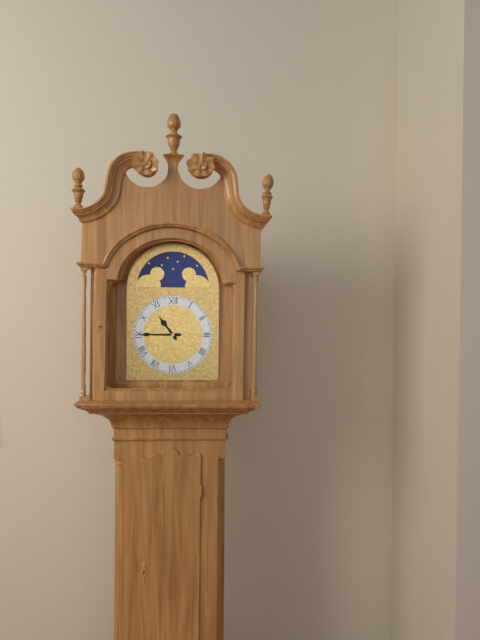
10:45
